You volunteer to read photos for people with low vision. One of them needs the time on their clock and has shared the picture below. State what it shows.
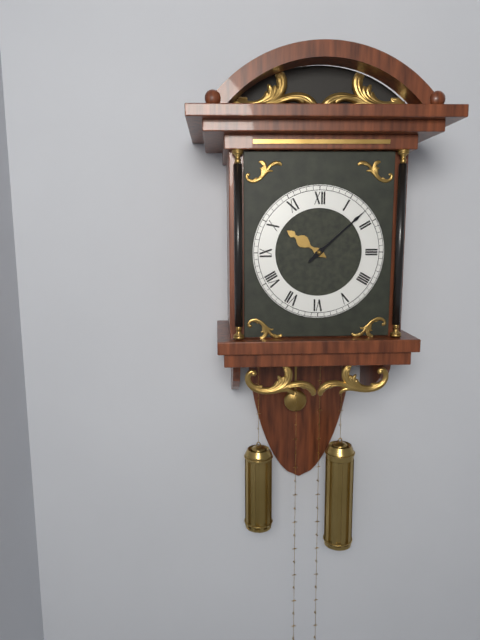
10:08
